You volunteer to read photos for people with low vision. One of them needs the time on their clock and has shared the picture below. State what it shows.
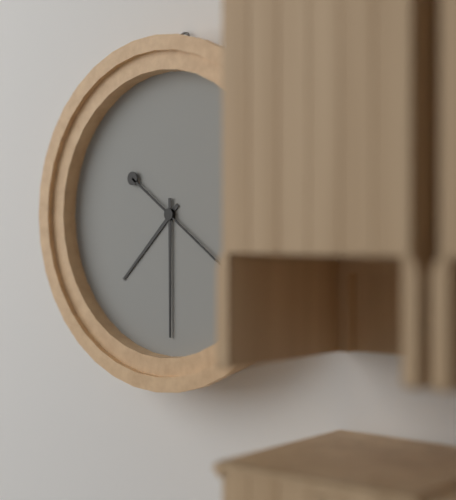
7:30
